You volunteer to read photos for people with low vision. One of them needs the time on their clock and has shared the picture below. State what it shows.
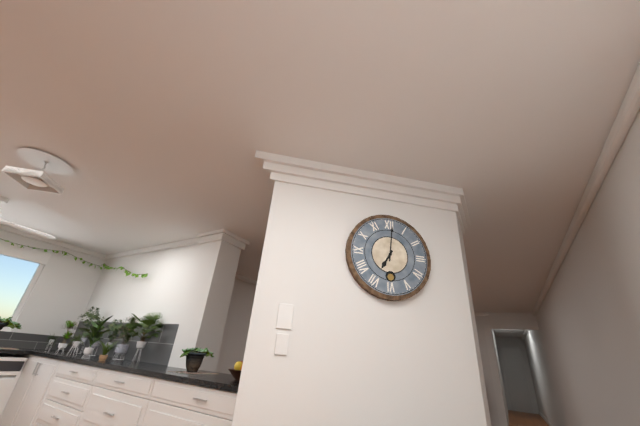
7:01
